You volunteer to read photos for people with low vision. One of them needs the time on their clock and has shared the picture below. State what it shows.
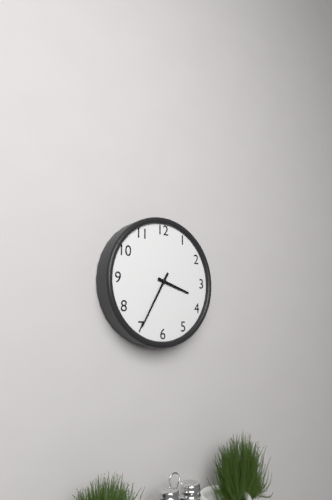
3:35
